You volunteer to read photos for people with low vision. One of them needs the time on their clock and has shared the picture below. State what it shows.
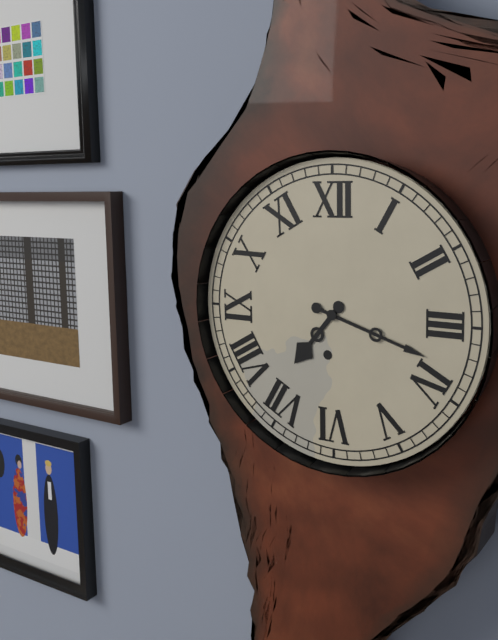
7:18
